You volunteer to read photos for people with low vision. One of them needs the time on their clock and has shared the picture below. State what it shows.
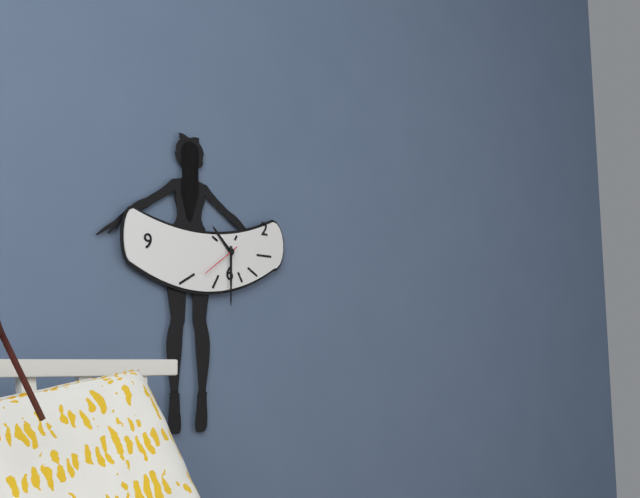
10:30
